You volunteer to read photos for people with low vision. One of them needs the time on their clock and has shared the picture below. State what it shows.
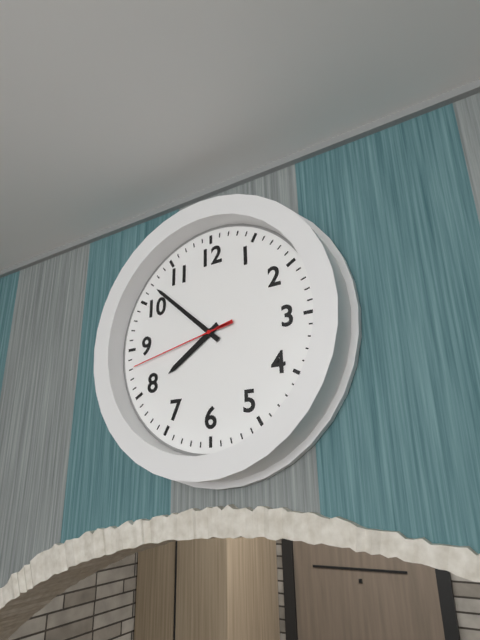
7:52:43
